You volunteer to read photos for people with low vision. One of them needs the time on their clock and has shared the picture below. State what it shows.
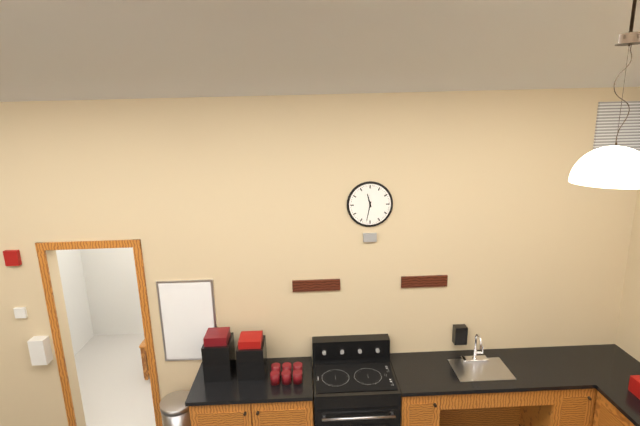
11:32
